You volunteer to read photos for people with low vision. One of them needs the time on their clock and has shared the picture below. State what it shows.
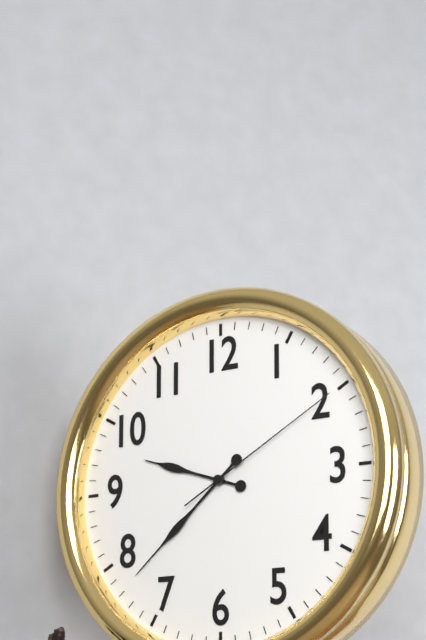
9:38:10
